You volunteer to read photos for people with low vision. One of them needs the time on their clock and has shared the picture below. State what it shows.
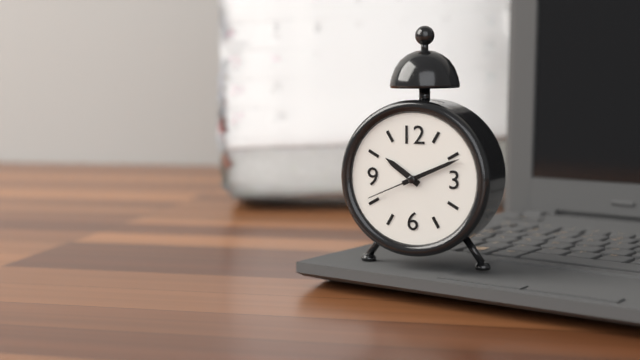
10:11:41
